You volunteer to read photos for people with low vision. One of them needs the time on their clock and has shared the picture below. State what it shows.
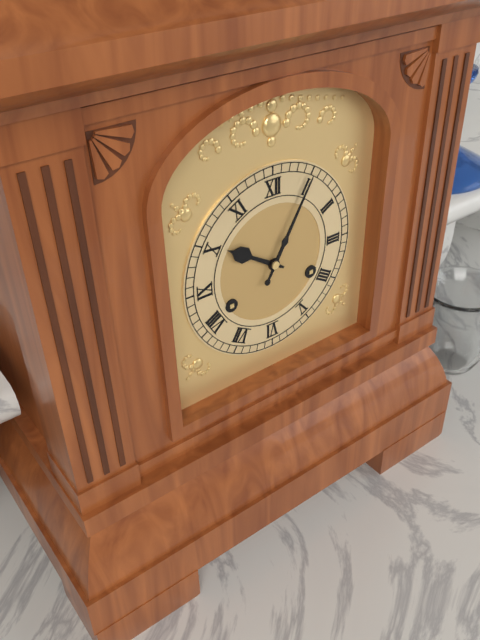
10:05
